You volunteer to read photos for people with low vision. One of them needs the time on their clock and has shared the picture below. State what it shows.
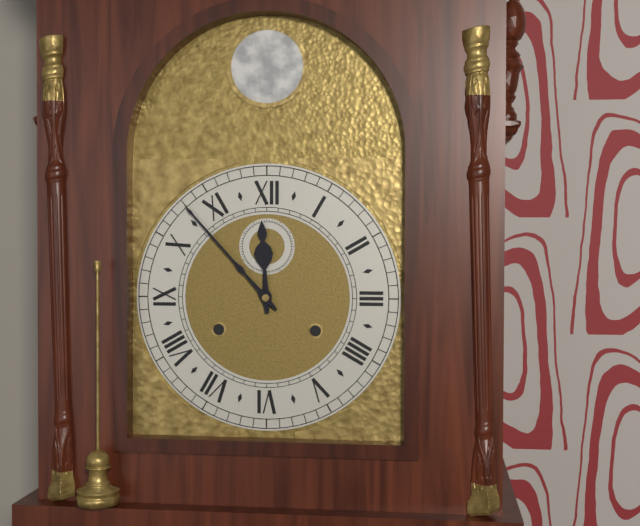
11:53
